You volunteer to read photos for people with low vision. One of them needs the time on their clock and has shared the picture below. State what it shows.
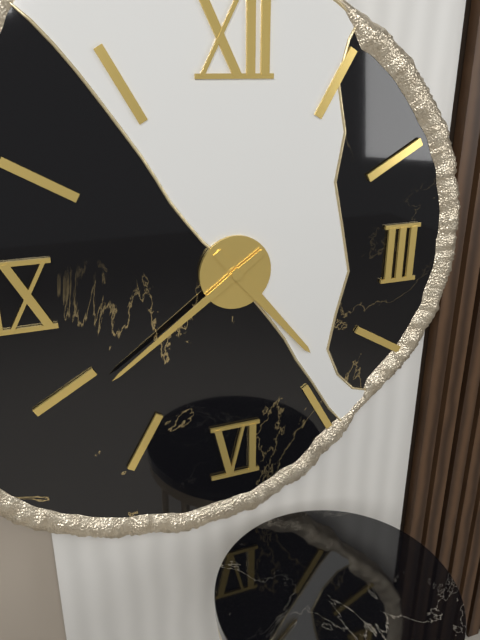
4:39
